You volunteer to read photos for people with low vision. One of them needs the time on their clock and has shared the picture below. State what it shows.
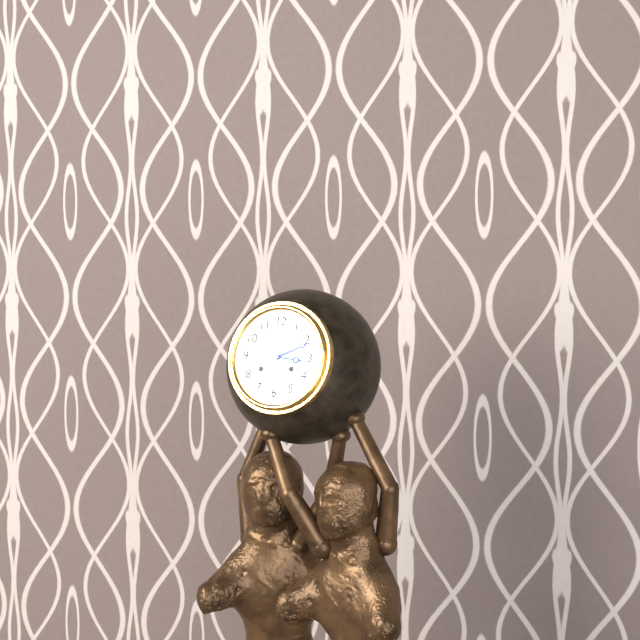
3:11
